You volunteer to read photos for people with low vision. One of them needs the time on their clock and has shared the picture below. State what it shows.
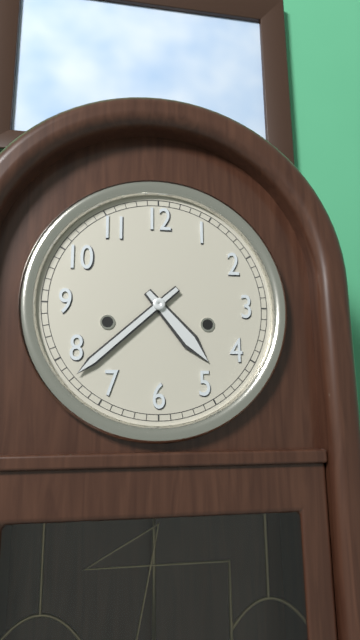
4:38
